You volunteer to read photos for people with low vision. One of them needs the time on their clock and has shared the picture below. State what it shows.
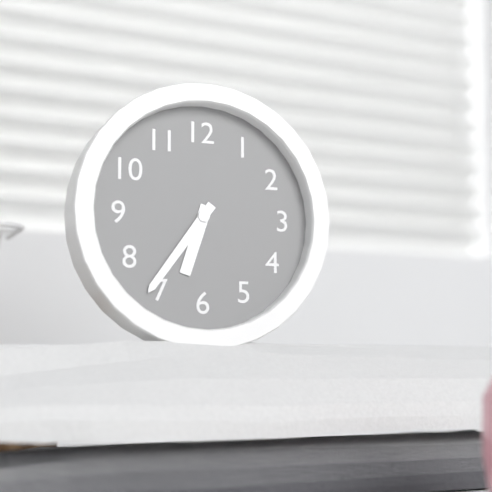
6:36
